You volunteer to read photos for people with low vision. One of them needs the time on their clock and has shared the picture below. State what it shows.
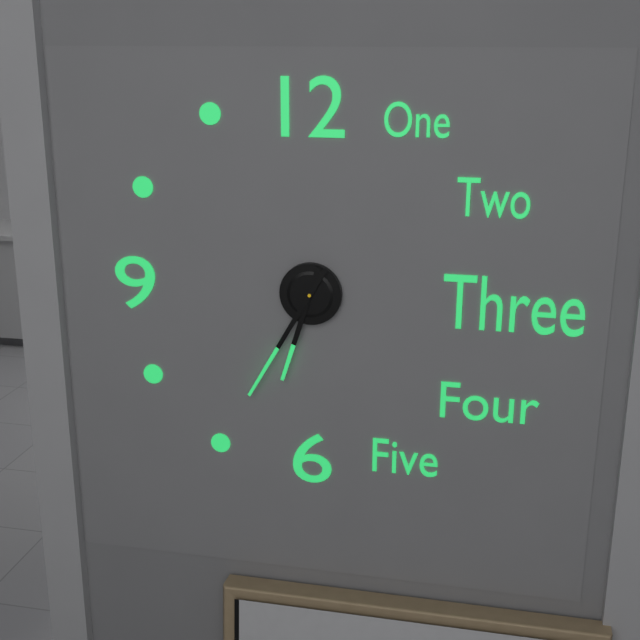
6:35
